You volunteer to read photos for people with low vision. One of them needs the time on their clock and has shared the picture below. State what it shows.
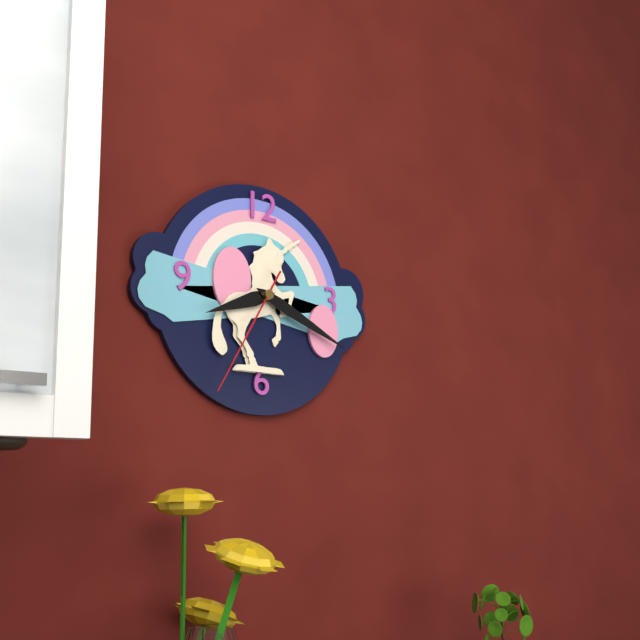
8:19:35
